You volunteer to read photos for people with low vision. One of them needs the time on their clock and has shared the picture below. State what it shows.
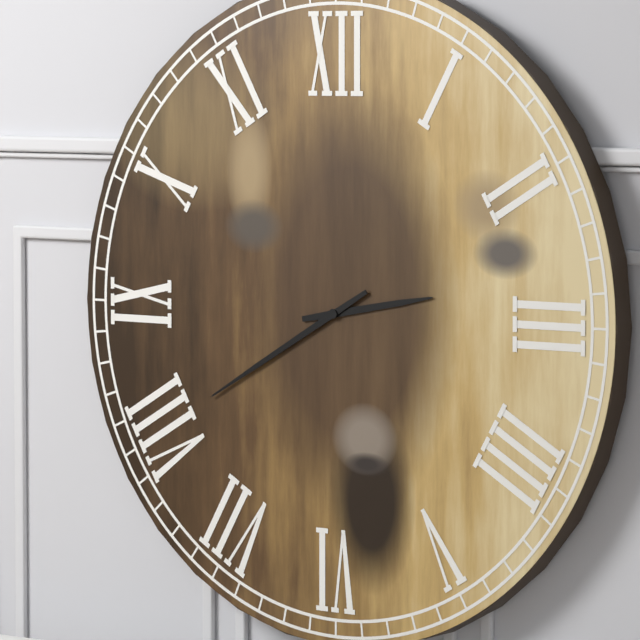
2:40
